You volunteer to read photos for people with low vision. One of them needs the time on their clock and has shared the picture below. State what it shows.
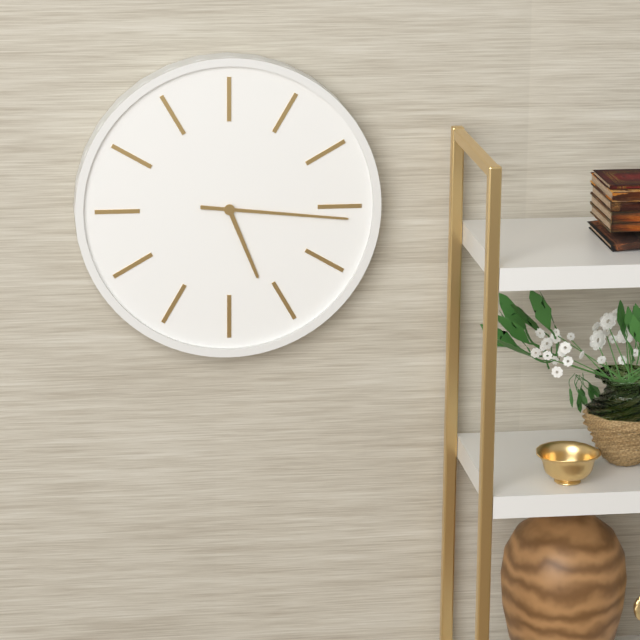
5:16
